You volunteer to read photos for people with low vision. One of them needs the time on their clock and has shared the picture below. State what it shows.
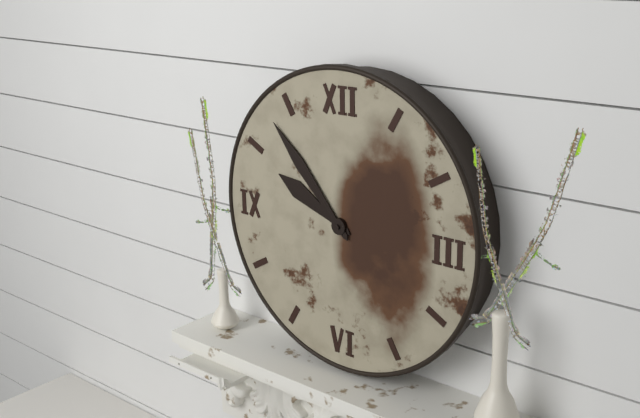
9:53
